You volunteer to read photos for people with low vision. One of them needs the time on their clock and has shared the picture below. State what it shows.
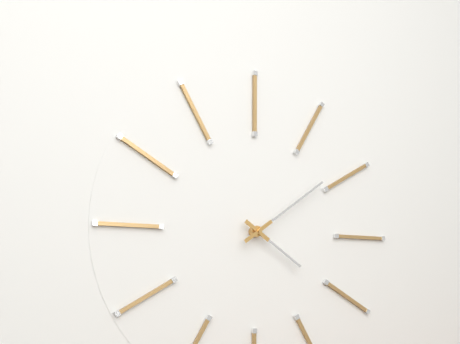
4:09
